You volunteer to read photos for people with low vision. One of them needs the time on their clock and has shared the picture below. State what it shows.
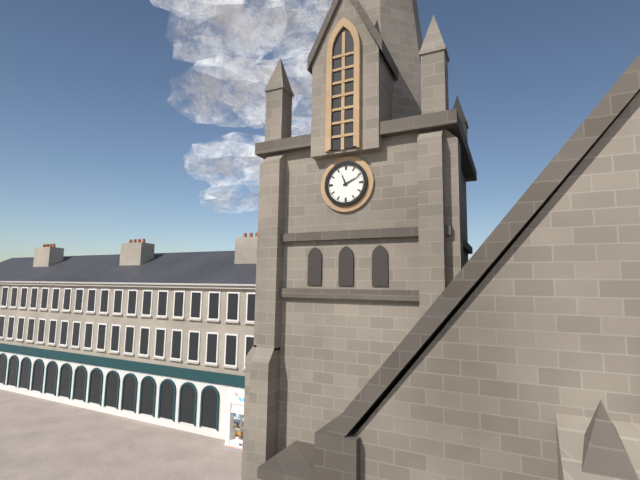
11:11
